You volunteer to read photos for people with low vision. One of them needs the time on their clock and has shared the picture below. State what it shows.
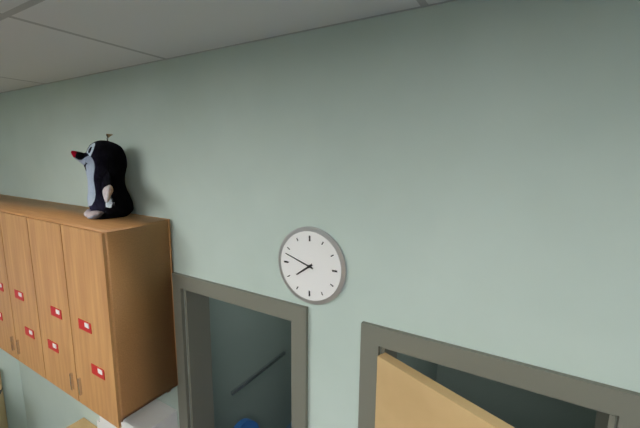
7:48
